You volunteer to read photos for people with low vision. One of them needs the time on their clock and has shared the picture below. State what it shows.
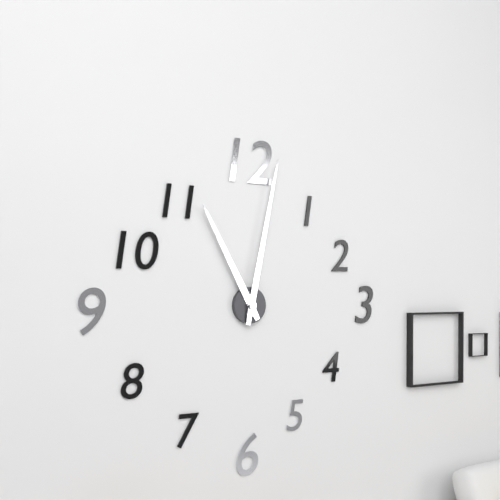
11:02
